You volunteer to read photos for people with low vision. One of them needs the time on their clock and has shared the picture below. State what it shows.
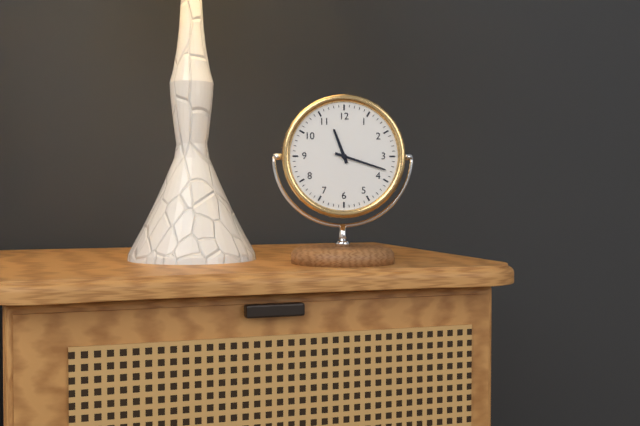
11:18
